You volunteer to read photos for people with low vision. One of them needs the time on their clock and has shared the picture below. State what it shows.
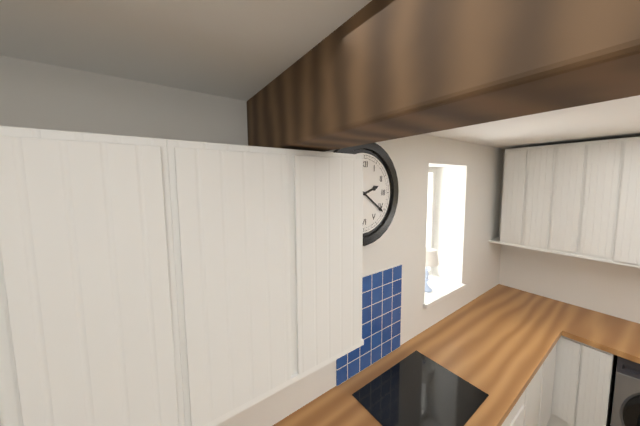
2:21
